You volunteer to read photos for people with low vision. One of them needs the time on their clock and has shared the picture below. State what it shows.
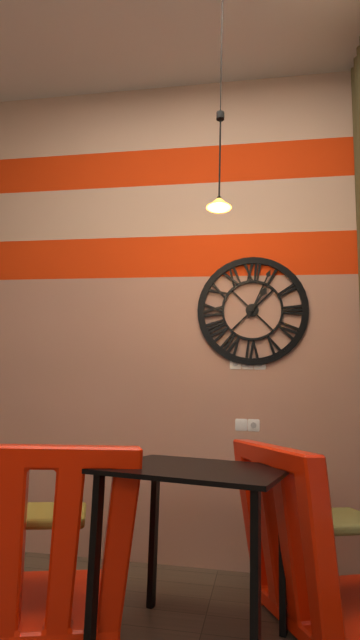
1:04
